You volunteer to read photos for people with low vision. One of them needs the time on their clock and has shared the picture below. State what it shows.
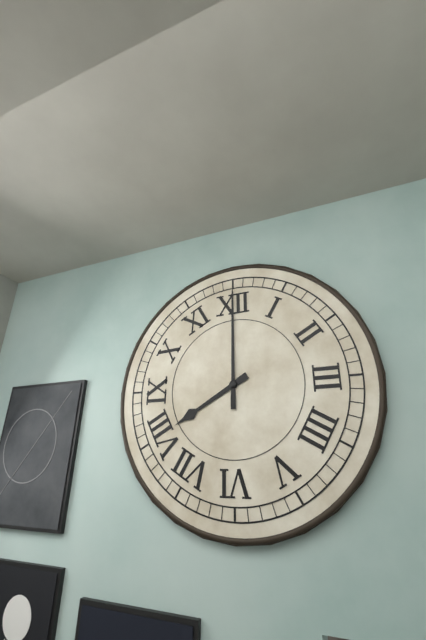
8:00
